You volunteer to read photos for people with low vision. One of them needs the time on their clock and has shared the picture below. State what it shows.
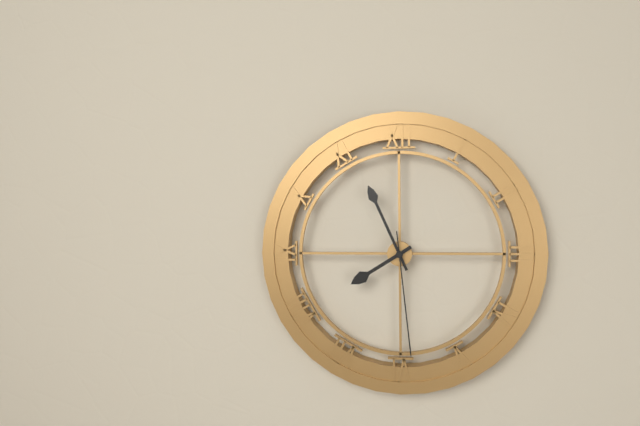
7:56:29
